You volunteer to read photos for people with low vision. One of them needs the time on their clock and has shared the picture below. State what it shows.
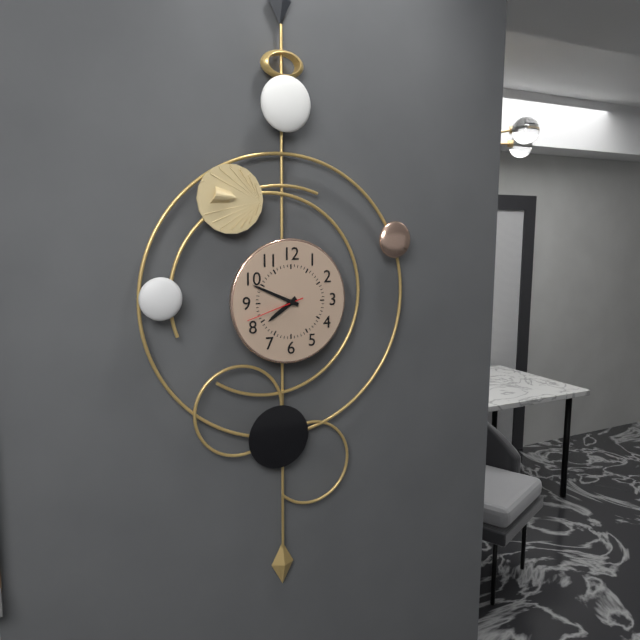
7:49:42
